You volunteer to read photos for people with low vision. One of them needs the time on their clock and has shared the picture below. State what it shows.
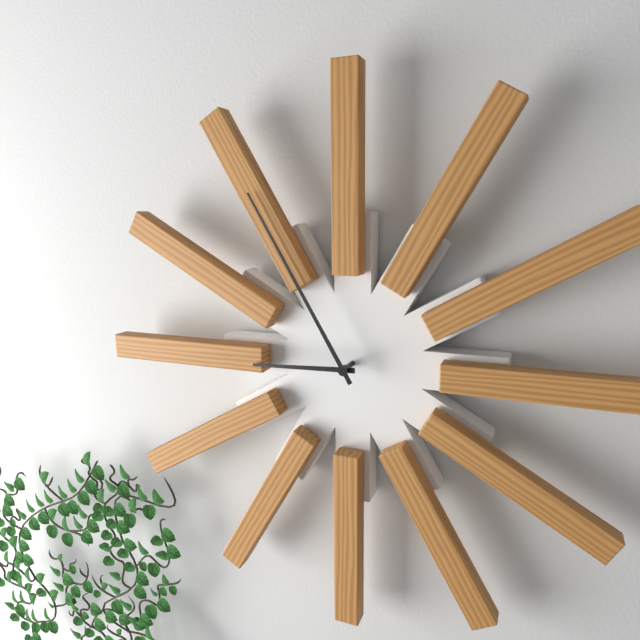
8:55
